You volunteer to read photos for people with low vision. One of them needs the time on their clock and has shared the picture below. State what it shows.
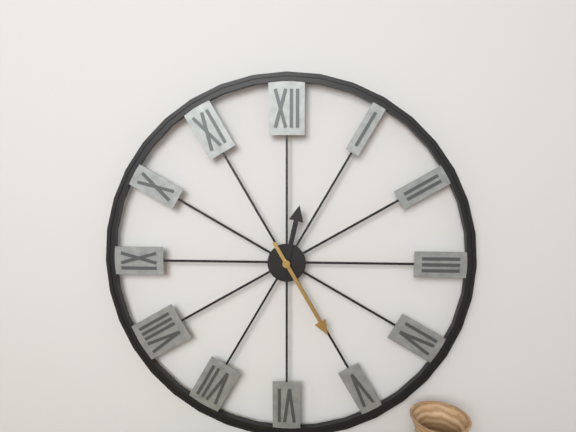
12:25
